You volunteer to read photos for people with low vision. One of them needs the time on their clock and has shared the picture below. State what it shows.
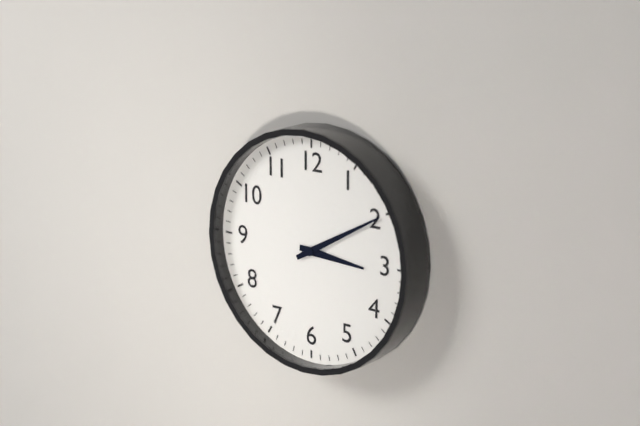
3:10
